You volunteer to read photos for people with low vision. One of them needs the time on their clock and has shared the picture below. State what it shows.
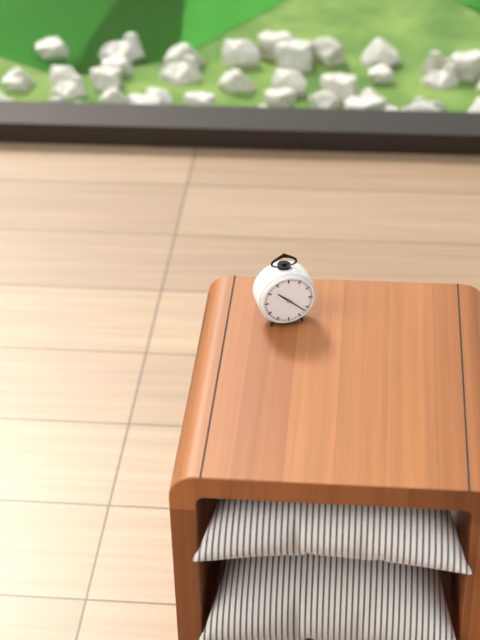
10:22
